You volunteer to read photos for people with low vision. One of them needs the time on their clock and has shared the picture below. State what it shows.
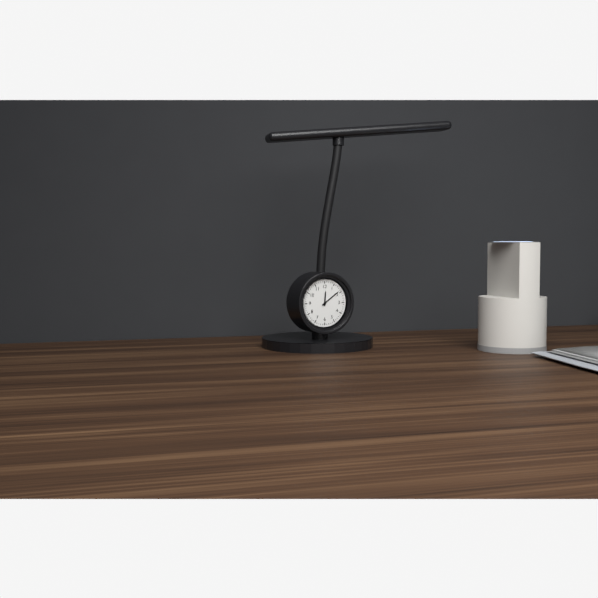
12:09
